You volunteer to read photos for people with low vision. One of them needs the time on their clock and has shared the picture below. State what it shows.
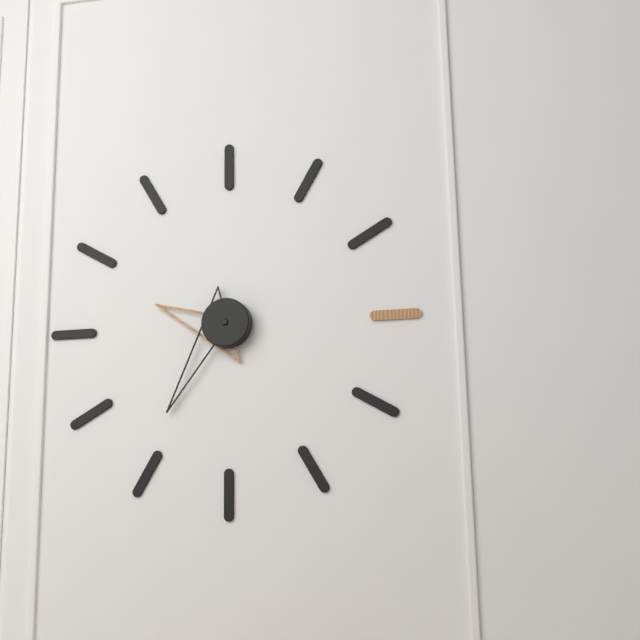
9:36
